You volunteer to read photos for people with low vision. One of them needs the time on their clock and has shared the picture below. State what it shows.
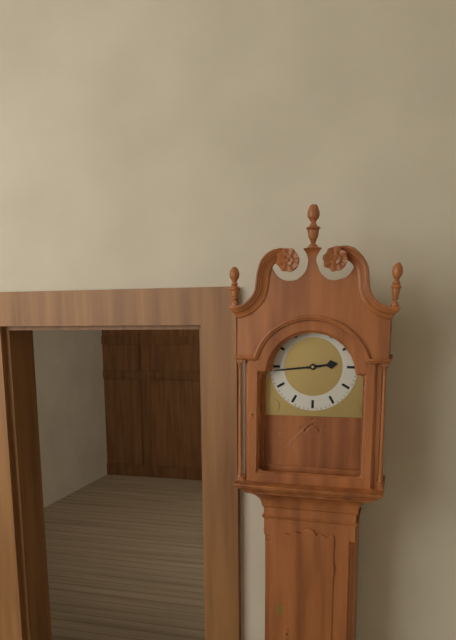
2:44
